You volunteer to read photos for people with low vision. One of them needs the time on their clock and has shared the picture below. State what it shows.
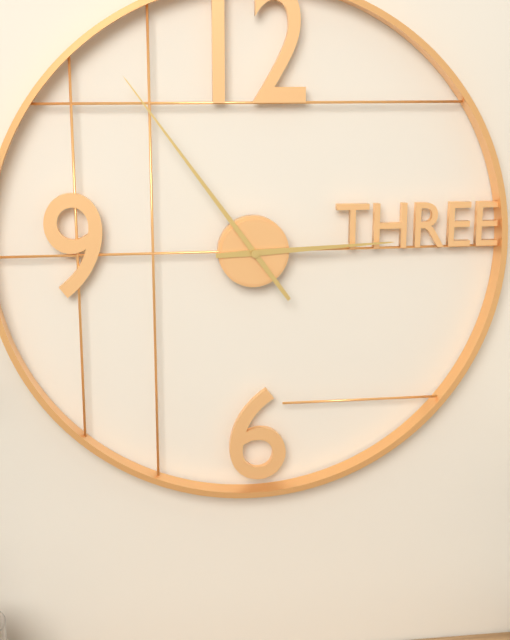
2:54
